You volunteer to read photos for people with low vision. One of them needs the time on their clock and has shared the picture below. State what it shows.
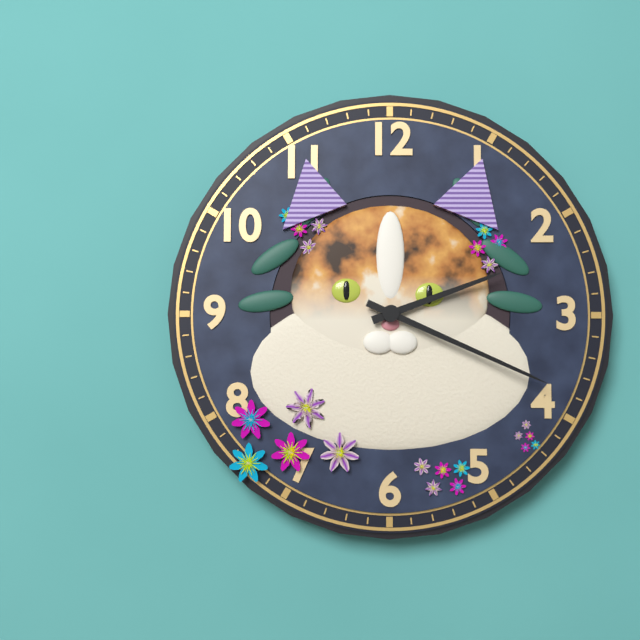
2:19
